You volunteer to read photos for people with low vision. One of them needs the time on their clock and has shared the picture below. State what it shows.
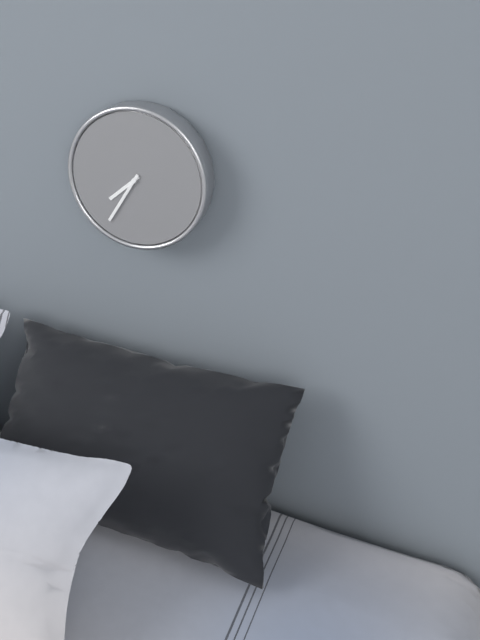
7:35
